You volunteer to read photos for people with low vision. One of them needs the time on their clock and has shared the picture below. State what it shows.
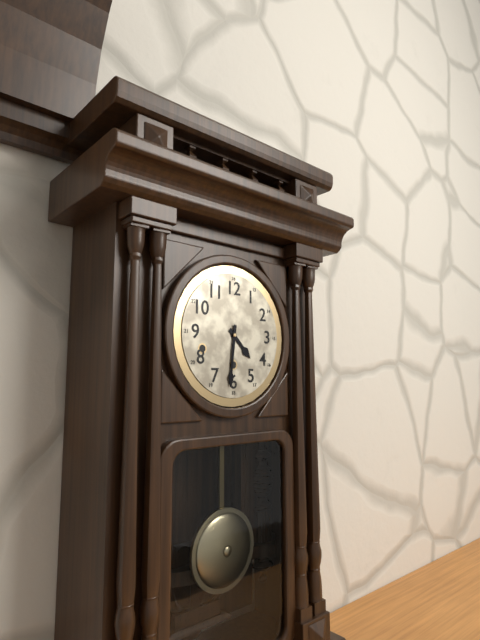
4:31
